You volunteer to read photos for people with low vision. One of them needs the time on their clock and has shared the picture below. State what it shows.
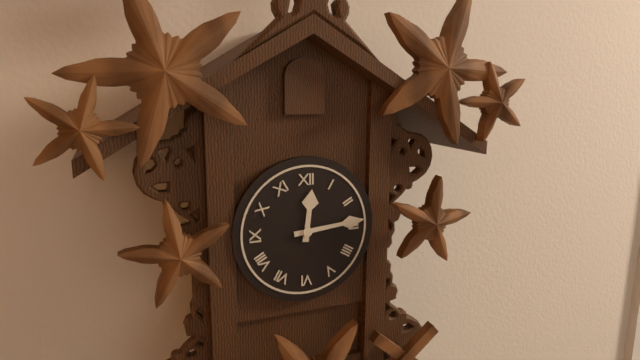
12:14
